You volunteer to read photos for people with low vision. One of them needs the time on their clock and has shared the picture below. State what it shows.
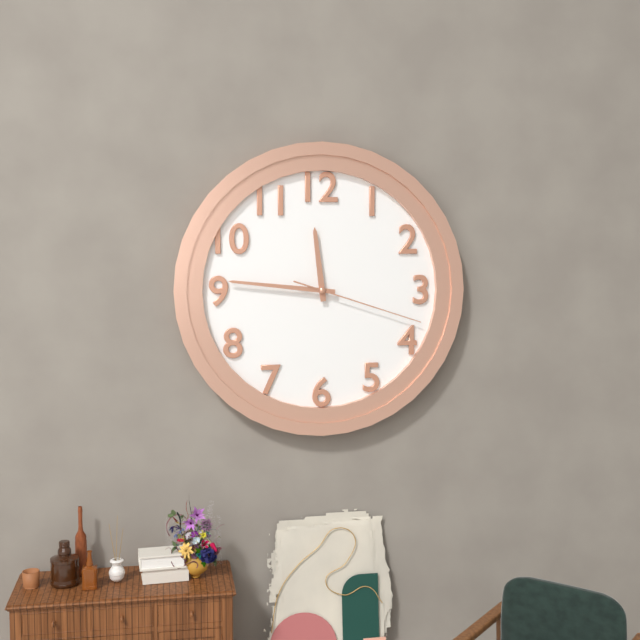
11:46:18
